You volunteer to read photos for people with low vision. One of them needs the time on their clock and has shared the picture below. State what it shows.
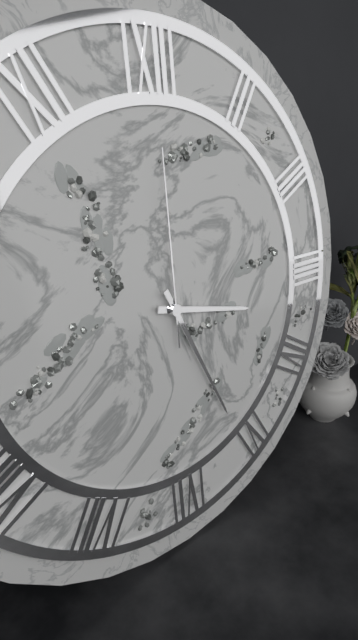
3:26:00
